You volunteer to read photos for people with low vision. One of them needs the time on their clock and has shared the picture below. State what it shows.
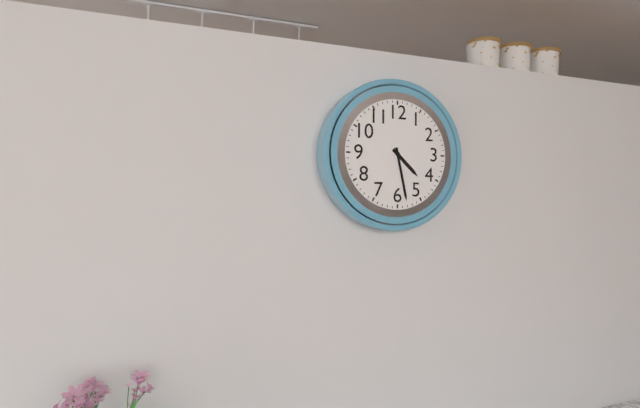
4:28
